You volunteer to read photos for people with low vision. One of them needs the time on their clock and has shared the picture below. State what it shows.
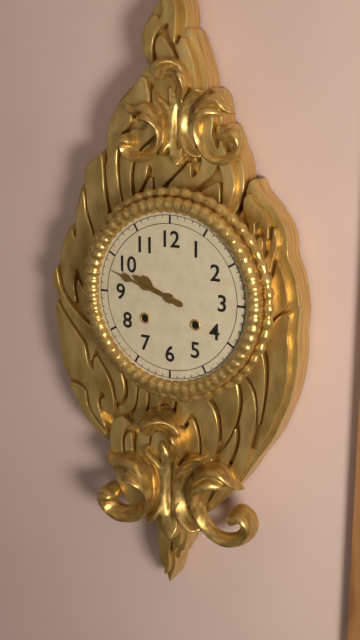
9:48
